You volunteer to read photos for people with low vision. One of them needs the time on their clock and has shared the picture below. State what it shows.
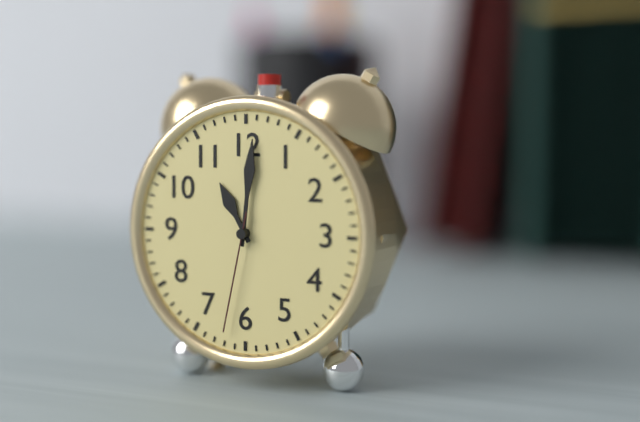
11:01:32
